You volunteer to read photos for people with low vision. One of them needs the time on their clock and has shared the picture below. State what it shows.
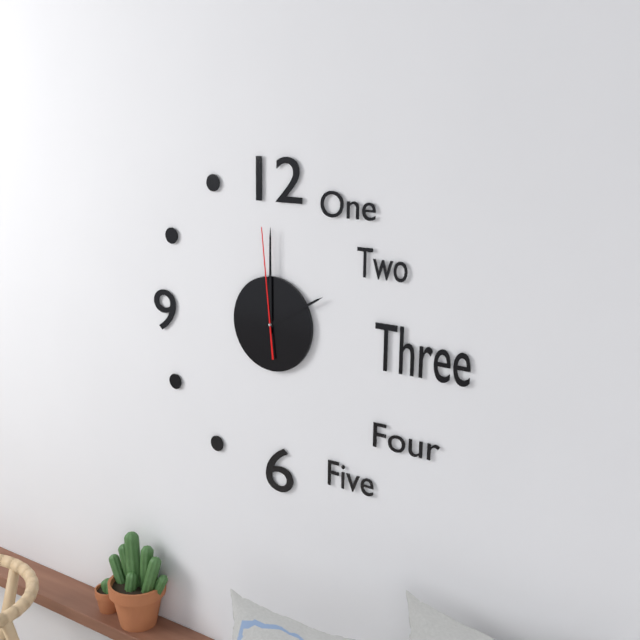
2:00:59
